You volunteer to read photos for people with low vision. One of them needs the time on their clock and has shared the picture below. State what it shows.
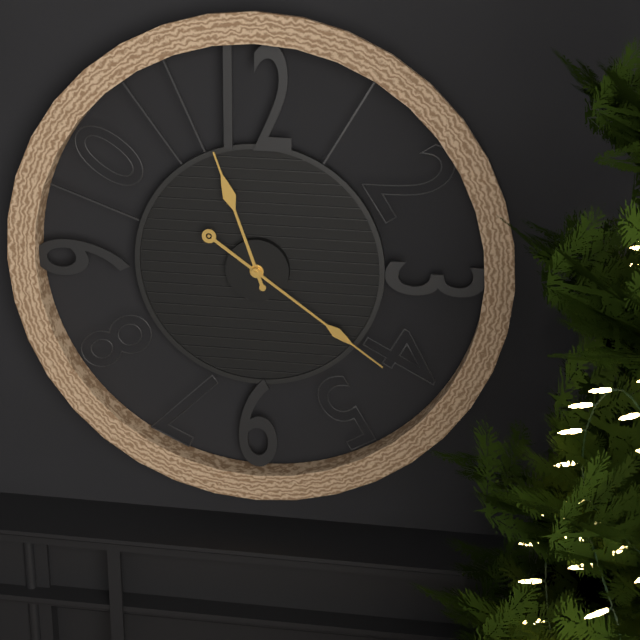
11:21
